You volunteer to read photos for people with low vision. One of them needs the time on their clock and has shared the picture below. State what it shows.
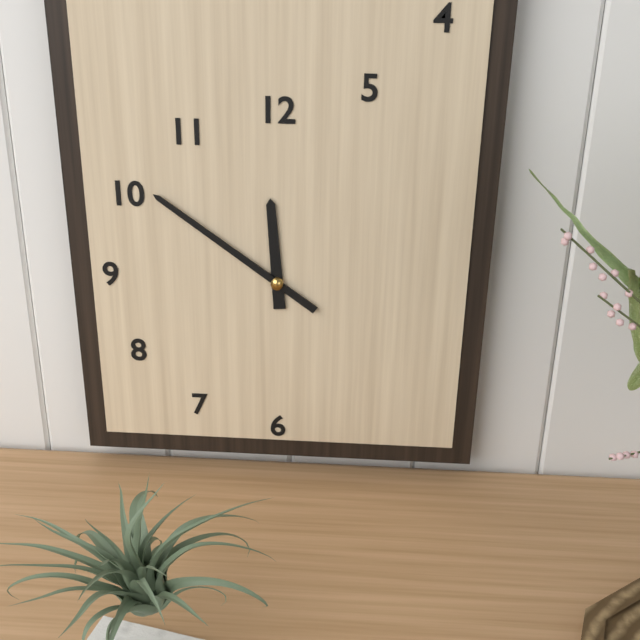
11:51
